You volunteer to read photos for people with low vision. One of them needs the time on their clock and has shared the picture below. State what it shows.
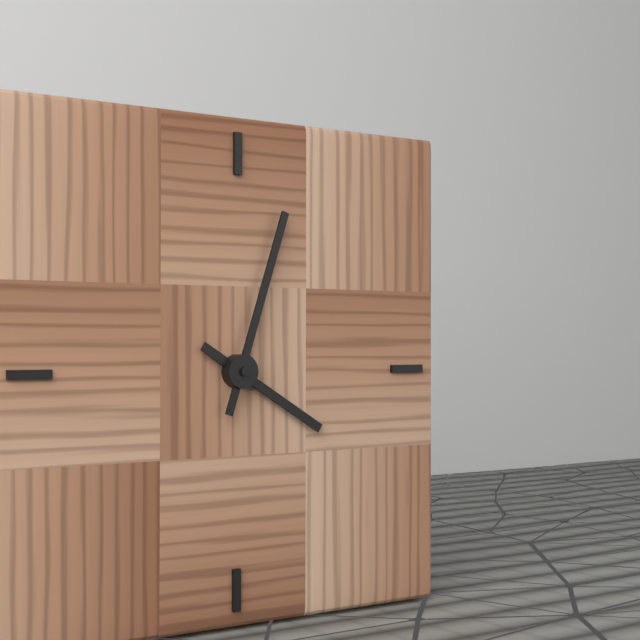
4:03
